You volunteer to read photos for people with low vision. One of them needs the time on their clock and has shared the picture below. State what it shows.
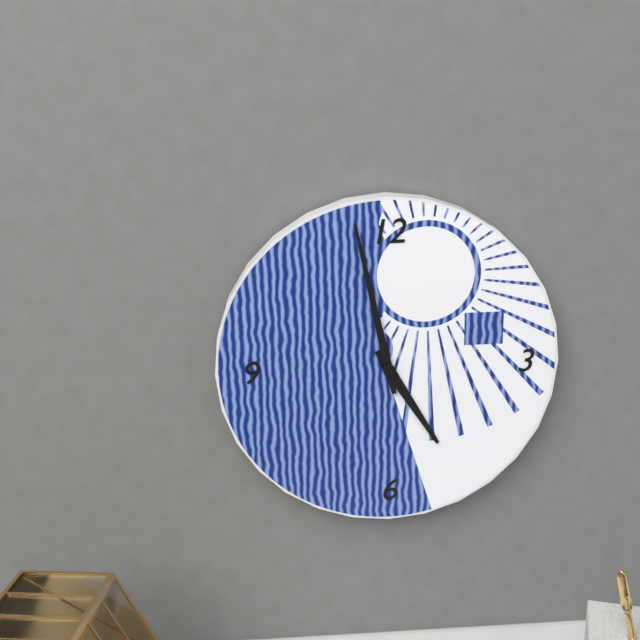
4:58
